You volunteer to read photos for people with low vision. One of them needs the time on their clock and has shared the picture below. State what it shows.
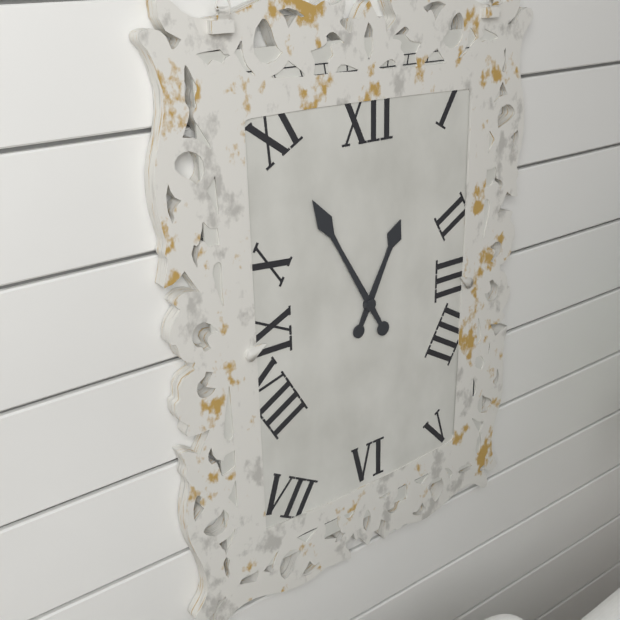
12:55
